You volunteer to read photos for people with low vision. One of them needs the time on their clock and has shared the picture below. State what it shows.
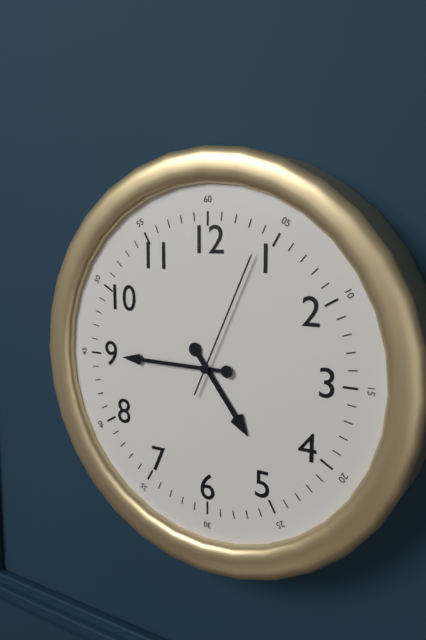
4:45:04
